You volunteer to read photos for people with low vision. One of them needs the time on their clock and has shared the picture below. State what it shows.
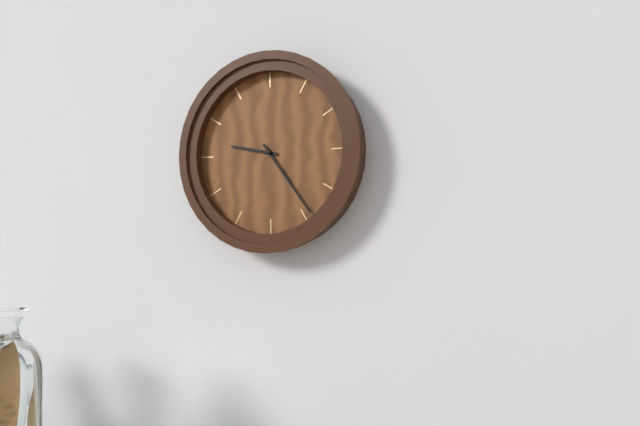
9:24
